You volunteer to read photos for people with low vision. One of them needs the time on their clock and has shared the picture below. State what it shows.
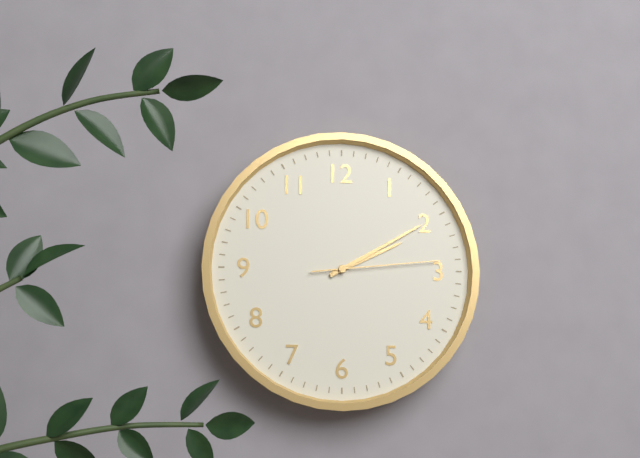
2:10:14
